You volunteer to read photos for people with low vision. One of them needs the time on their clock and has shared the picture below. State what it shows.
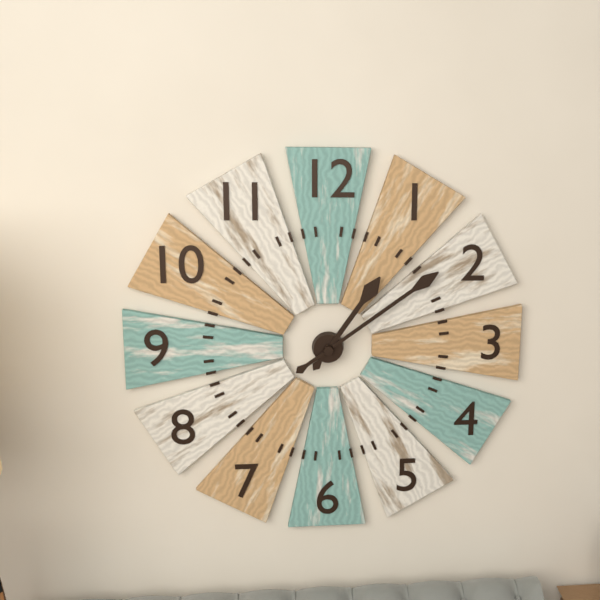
1:09
